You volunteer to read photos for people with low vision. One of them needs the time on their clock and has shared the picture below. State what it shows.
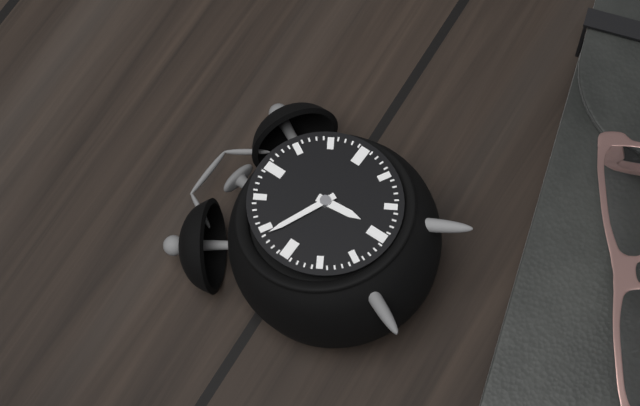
5:49
